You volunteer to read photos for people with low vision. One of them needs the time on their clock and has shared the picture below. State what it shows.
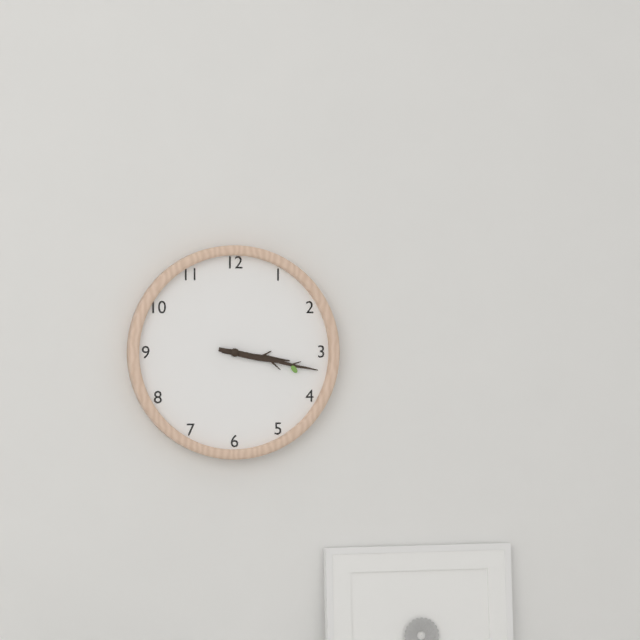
3:17
